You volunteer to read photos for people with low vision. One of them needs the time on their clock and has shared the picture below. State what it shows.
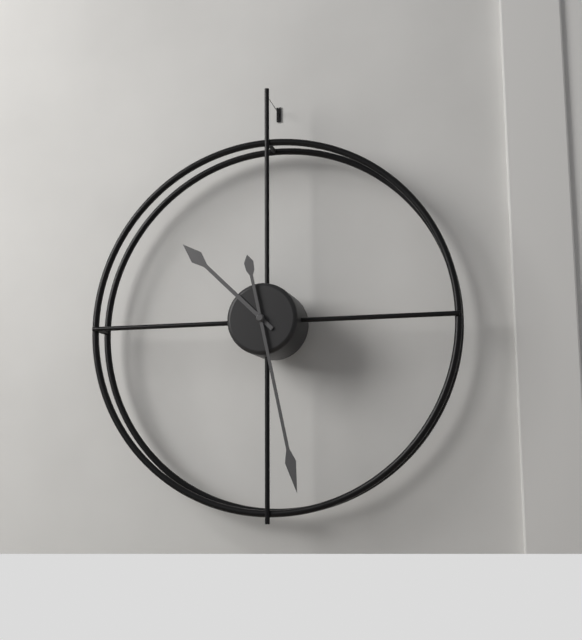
10:28
